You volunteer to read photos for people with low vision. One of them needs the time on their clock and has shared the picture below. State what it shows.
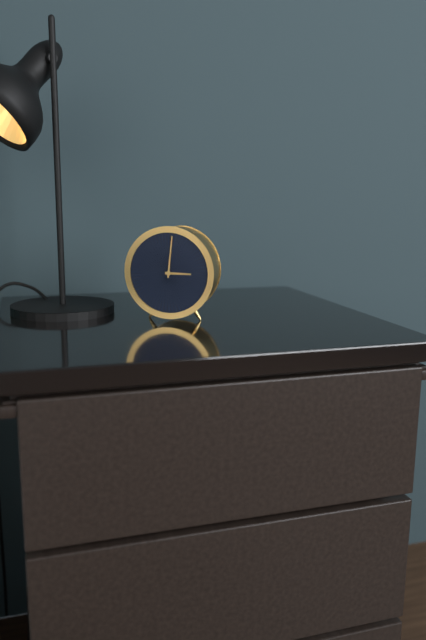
3:01
